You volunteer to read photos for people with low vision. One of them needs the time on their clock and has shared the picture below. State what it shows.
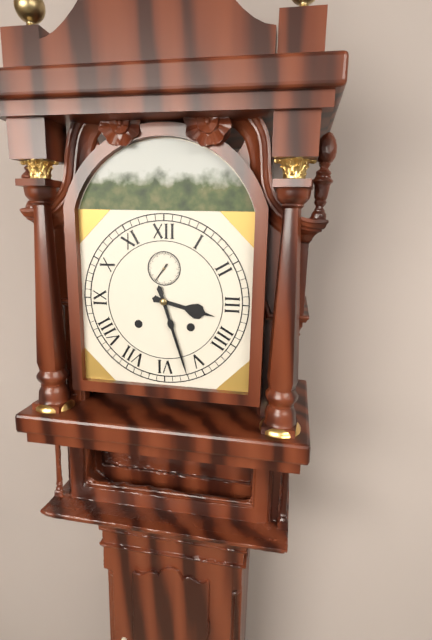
3:27
